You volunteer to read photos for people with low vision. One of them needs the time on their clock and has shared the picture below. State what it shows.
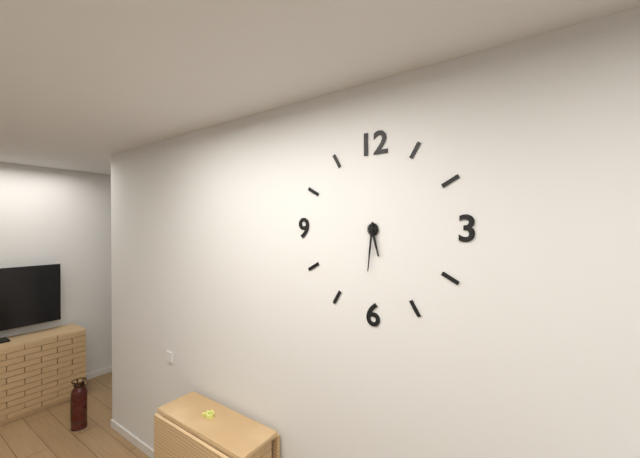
5:31
